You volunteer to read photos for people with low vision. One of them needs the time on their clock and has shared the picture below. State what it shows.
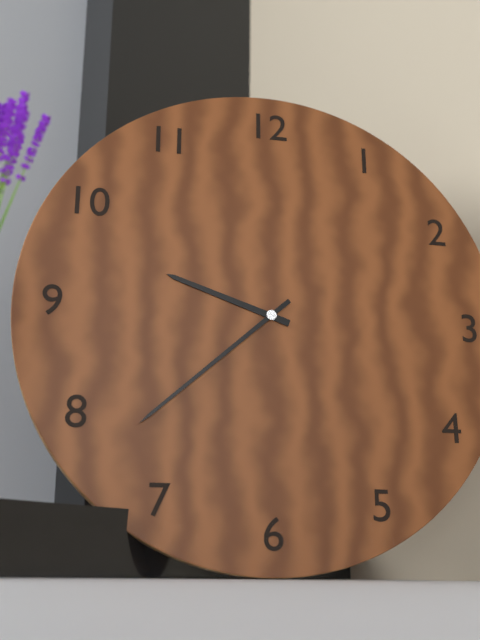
9:38
